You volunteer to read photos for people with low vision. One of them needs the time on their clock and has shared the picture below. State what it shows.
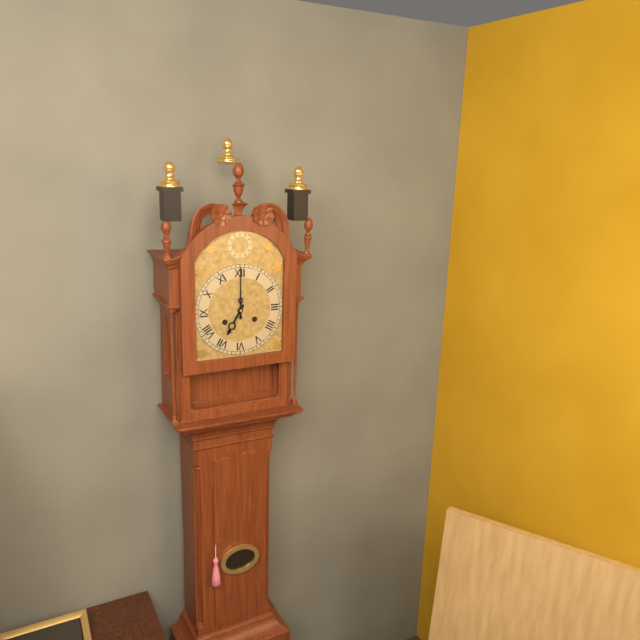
7:00
